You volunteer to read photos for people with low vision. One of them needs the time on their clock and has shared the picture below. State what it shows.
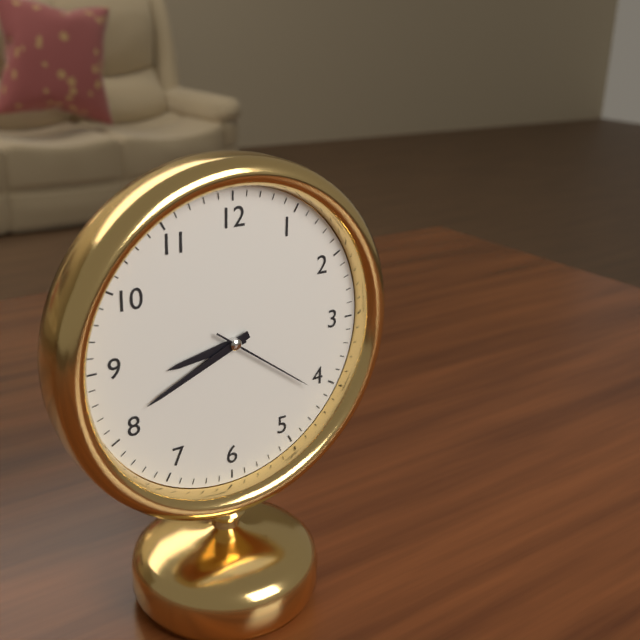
8:41:21
